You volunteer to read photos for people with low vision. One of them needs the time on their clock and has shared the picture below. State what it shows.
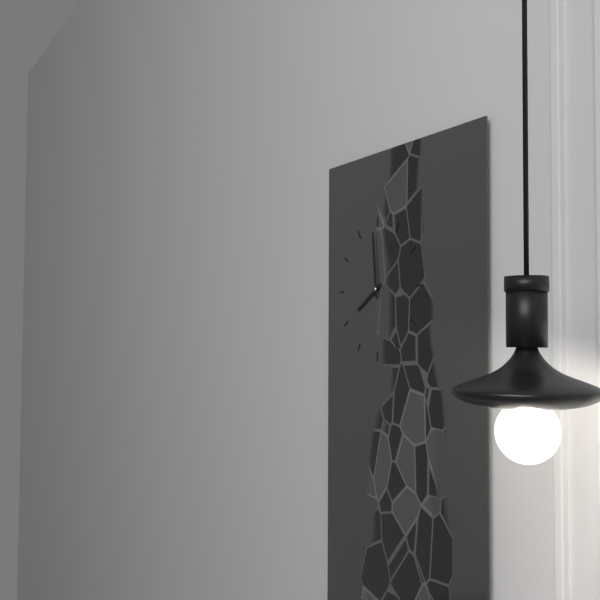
7:59
